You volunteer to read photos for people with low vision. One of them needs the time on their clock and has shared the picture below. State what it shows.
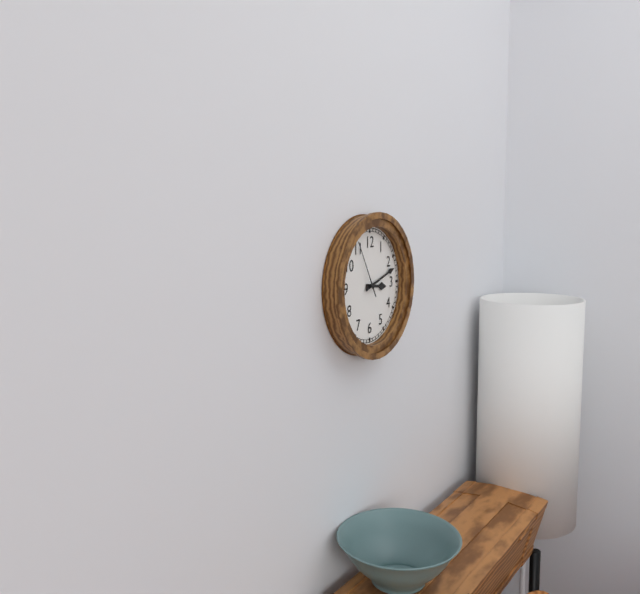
3:12:55
